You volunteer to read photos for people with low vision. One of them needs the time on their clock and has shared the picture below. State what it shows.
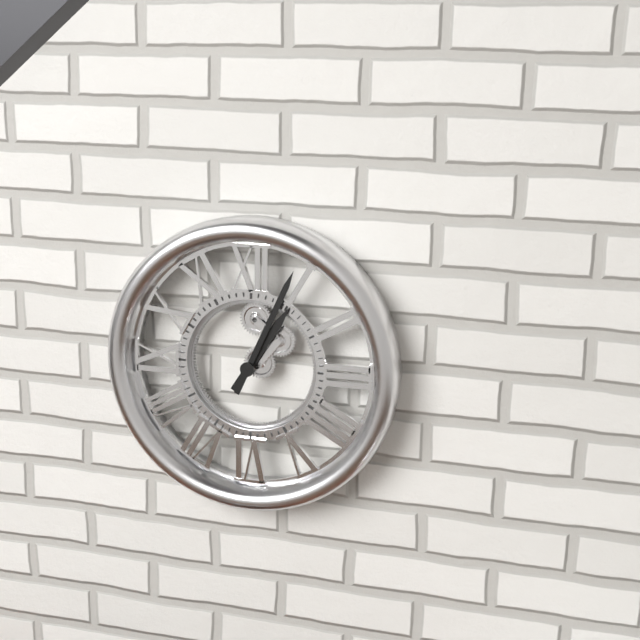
1:04
